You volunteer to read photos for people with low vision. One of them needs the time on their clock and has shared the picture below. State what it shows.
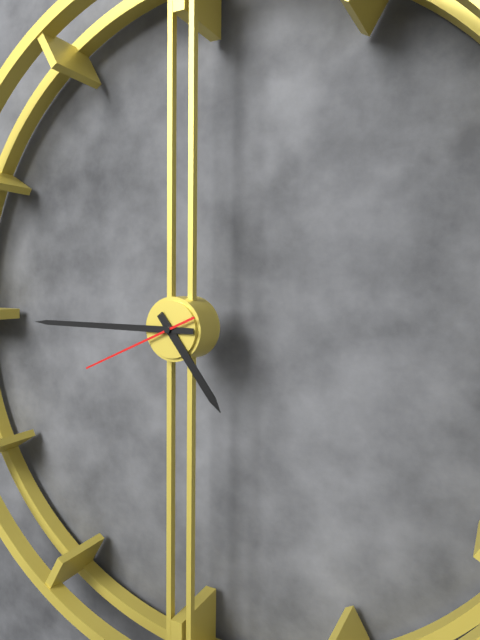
4:45:41
